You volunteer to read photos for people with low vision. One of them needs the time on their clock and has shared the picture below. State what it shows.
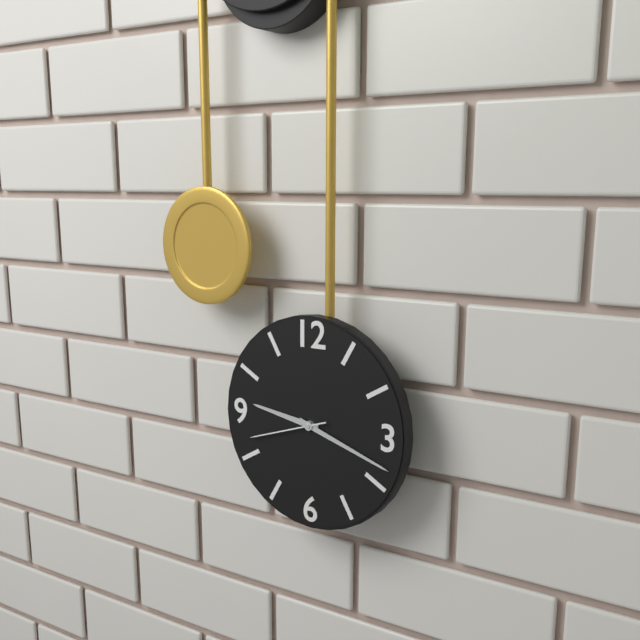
9:18:42
